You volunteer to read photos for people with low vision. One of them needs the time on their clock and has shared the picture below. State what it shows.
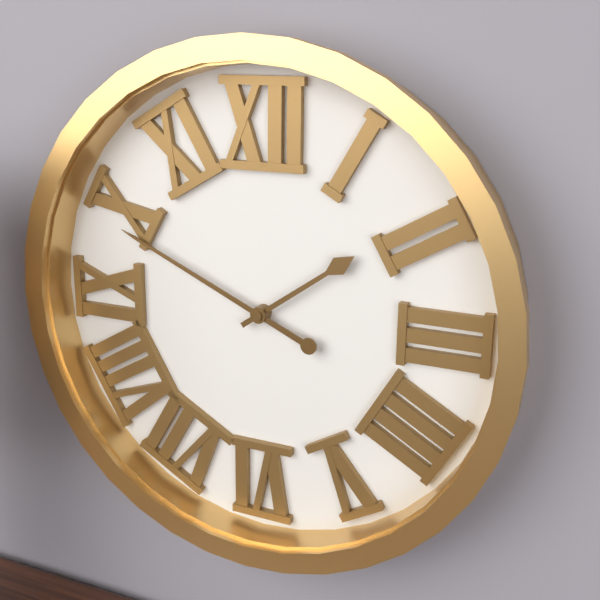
1:49
